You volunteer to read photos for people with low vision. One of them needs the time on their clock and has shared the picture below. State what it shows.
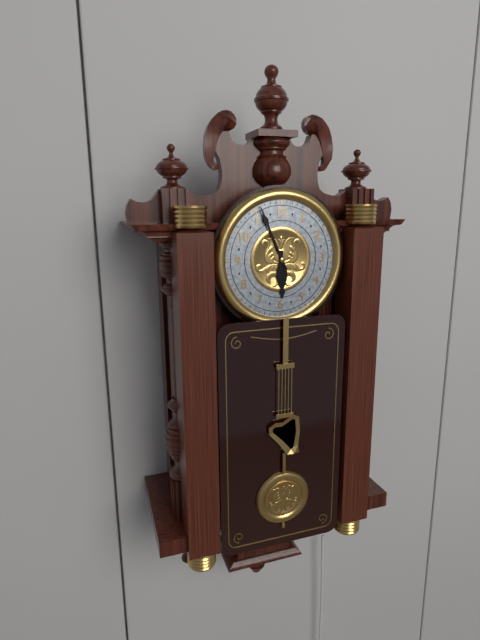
5:56
